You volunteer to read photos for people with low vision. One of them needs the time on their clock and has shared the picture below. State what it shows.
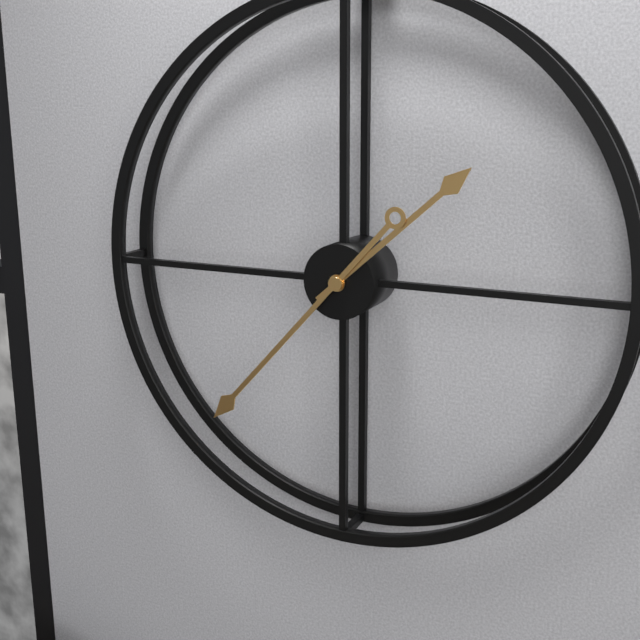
1:37
